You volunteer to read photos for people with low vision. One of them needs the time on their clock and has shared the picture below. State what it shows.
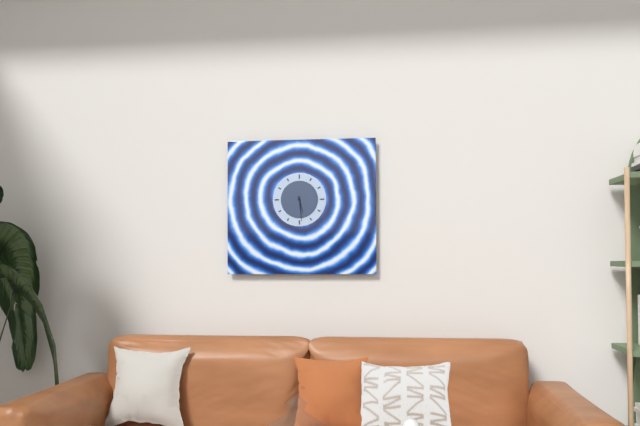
5:29
